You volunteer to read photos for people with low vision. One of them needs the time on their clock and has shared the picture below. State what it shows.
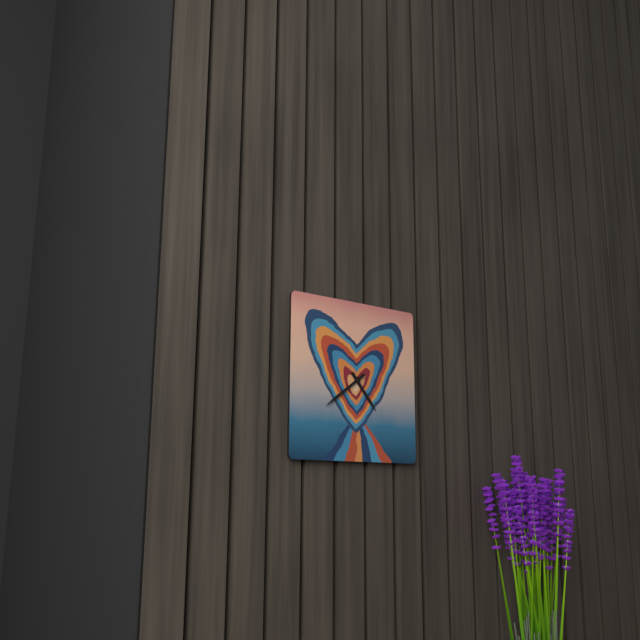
4:39
